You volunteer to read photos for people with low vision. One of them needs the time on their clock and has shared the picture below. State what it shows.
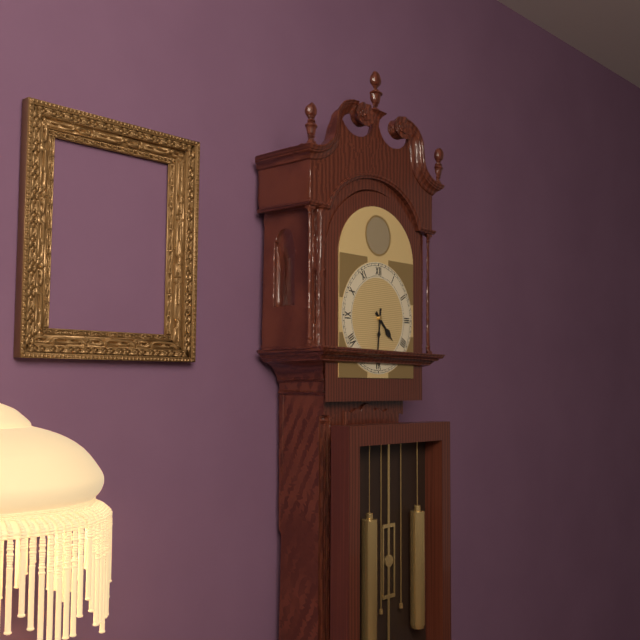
4:31
